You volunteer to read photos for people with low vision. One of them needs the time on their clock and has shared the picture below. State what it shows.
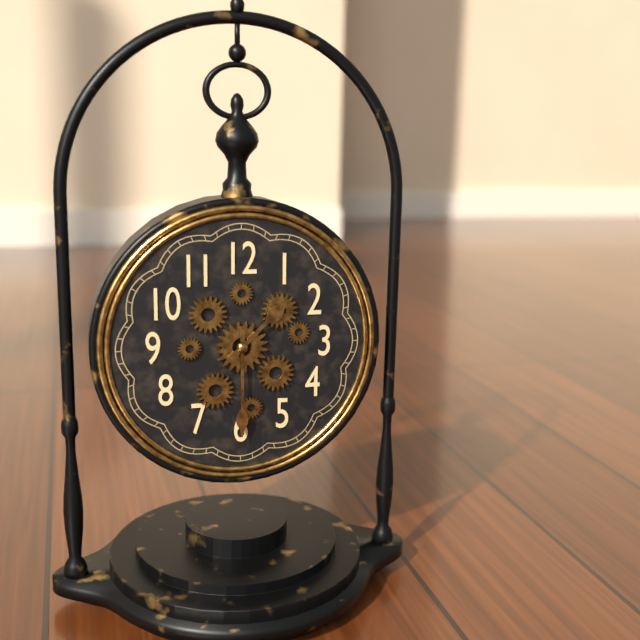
1:30
